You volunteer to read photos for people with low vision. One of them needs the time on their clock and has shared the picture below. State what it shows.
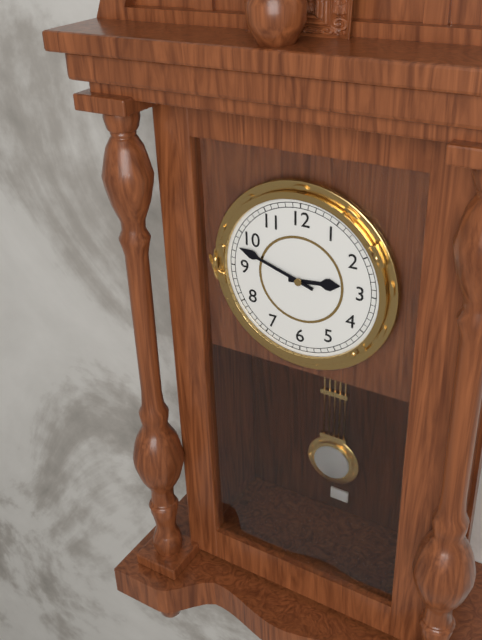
2:48
